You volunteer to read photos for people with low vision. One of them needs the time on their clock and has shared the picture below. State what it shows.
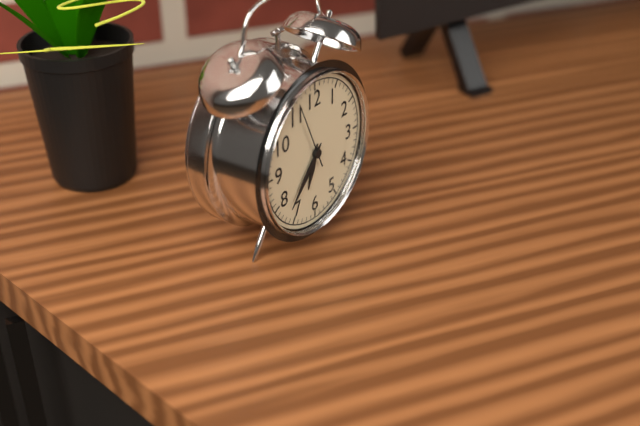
6:37:56
